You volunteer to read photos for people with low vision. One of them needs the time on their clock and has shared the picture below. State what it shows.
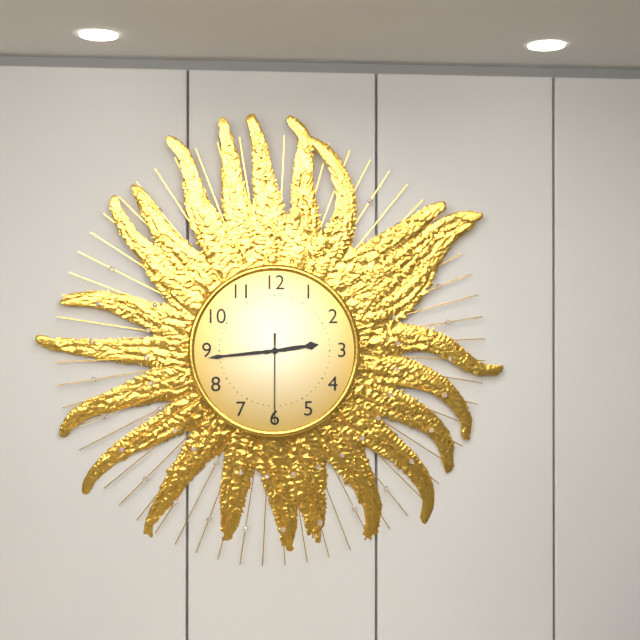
2:44:30
